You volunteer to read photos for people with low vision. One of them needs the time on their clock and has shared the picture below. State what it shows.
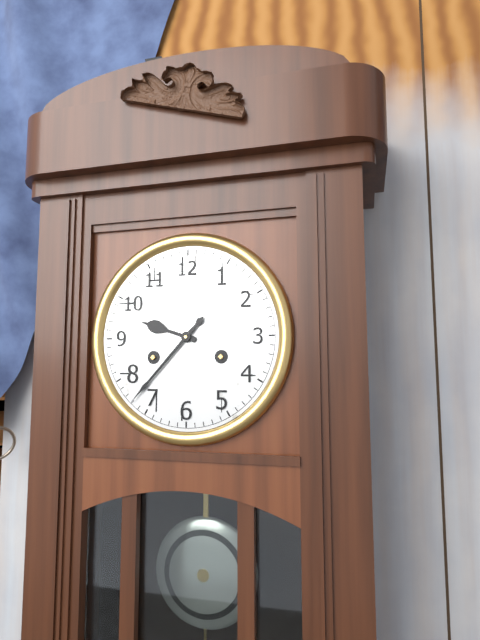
9:37
